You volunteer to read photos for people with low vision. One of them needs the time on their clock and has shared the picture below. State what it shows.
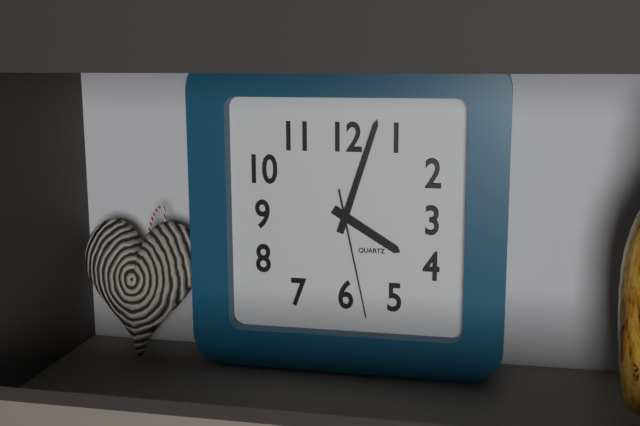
4:03:28
